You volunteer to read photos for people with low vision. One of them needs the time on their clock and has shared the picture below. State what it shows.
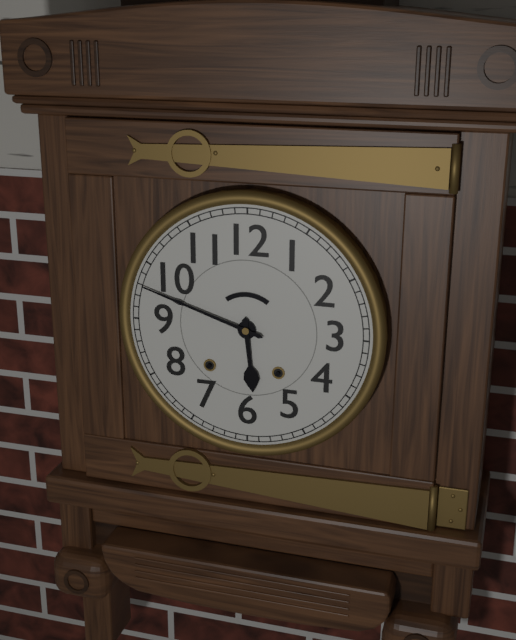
5:48
